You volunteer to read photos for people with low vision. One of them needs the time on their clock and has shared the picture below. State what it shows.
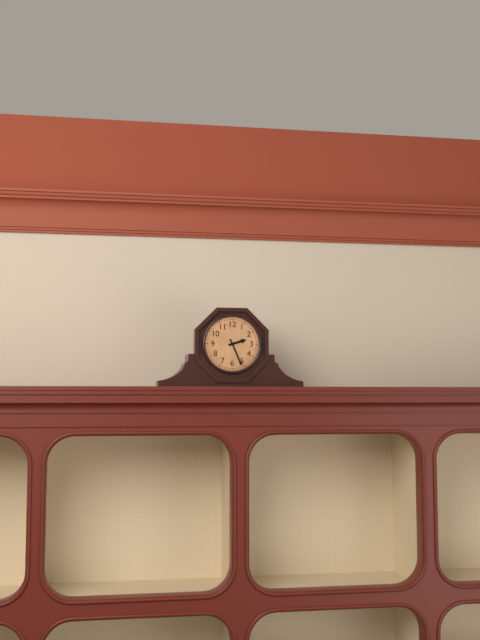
2:26
